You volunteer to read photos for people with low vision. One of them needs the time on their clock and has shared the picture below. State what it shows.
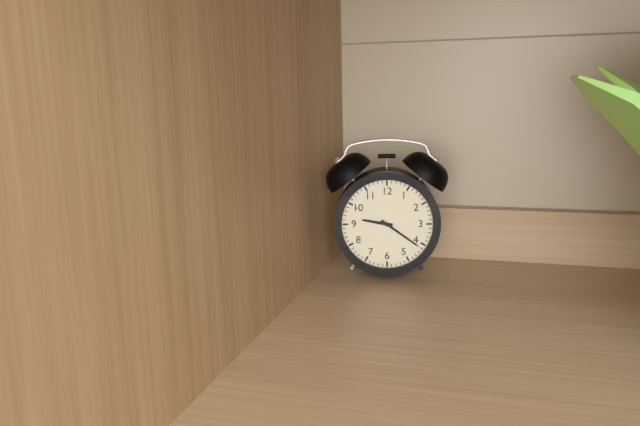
9:21
